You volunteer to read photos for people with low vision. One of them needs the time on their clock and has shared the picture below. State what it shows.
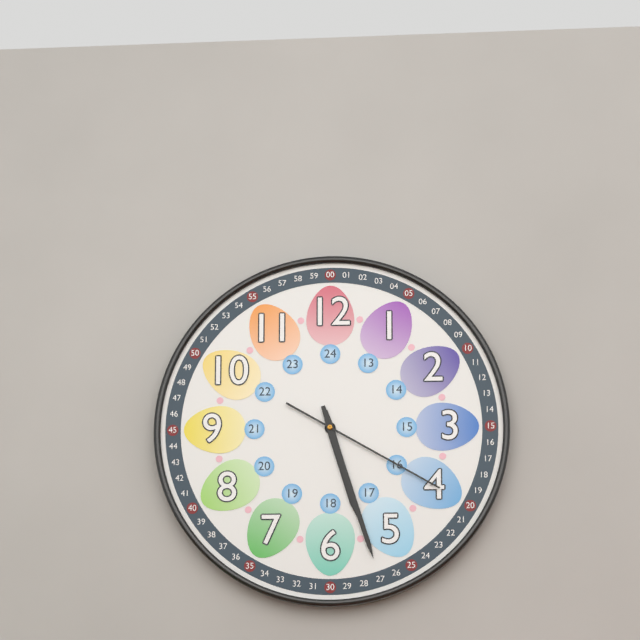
5:27:20
